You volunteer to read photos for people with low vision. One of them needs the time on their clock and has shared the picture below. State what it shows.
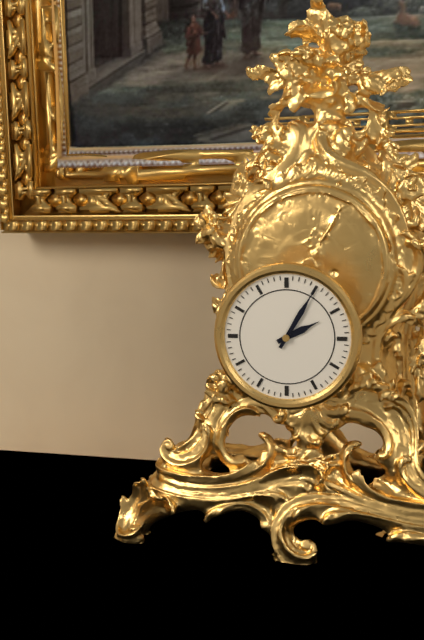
2:05
